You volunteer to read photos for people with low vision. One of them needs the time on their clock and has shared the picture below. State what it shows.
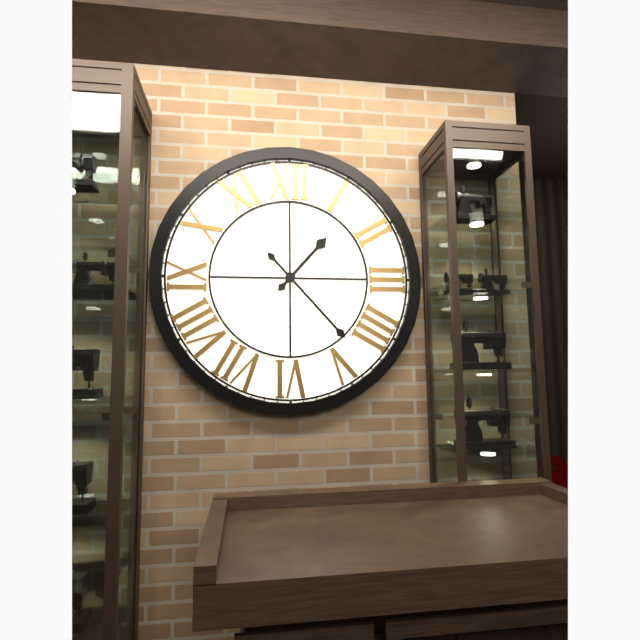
1:23
